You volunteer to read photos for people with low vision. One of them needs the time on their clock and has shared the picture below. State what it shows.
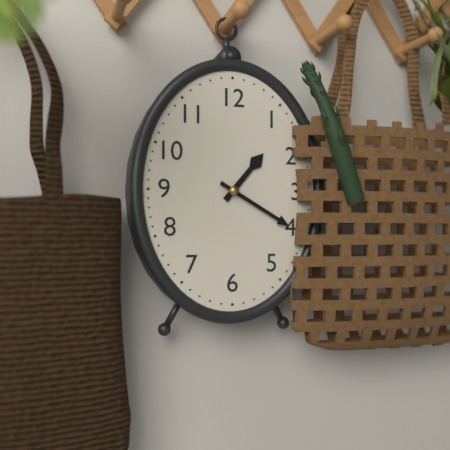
1:20
